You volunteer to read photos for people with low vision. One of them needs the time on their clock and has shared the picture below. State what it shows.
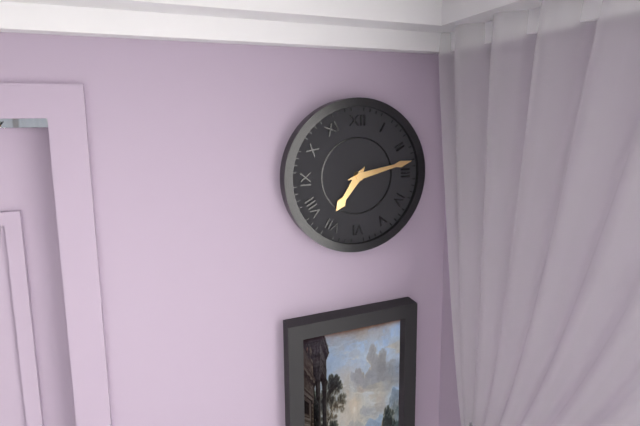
7:13
